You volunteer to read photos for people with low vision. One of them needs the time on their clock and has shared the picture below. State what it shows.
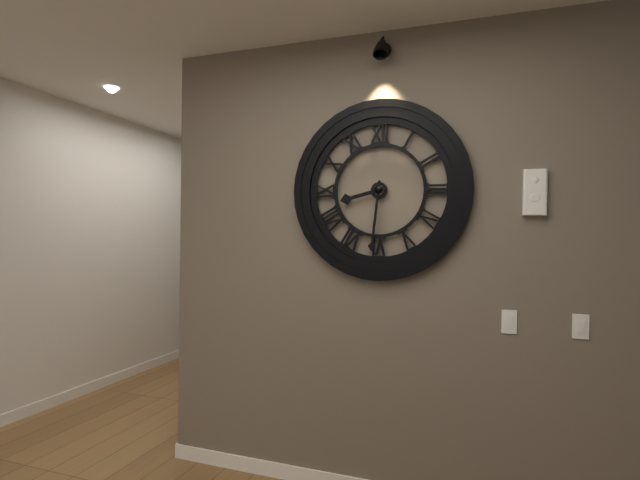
8:31
